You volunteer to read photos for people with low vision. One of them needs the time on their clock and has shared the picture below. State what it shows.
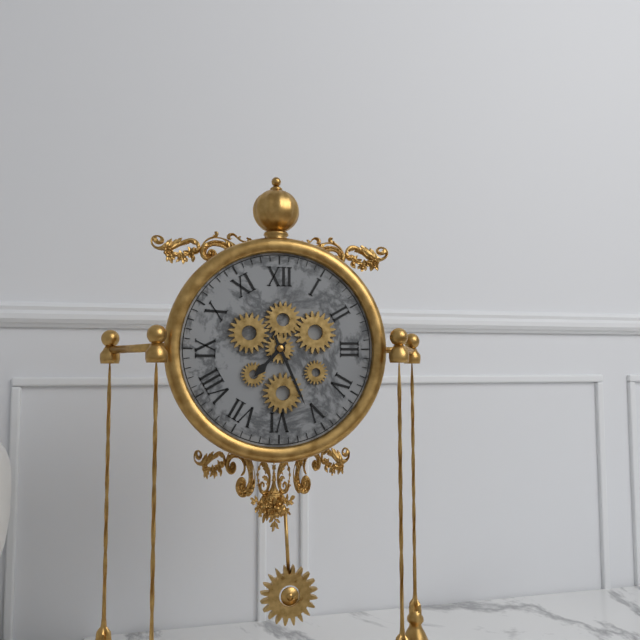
7:26
